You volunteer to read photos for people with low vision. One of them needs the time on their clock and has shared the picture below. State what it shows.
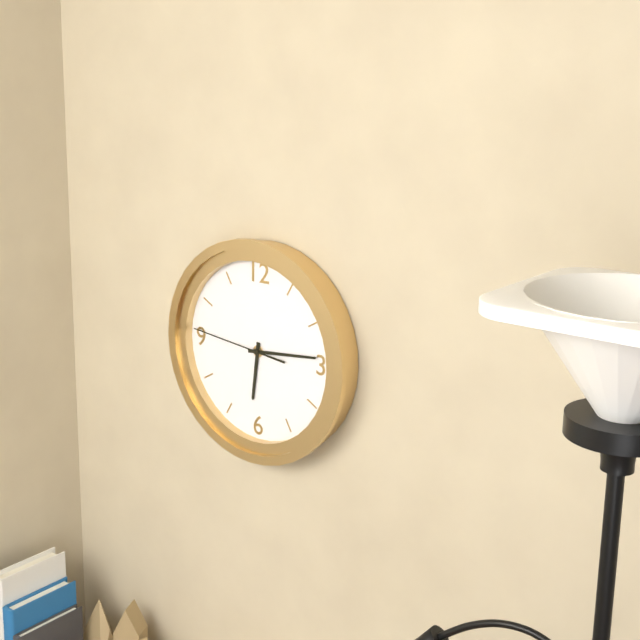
6:14:46
